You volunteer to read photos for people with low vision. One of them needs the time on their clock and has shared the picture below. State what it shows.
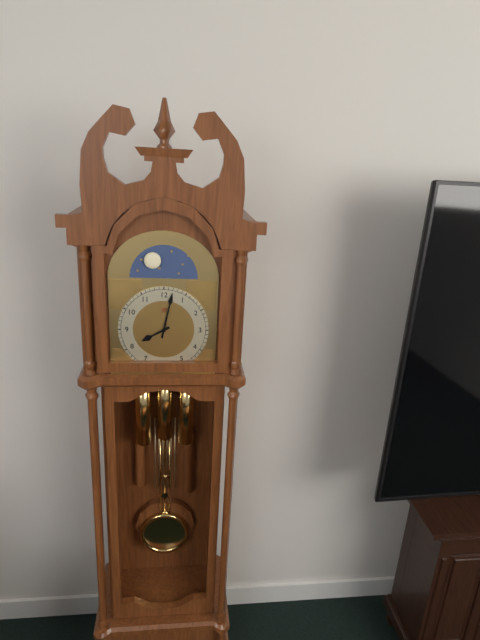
8:02
